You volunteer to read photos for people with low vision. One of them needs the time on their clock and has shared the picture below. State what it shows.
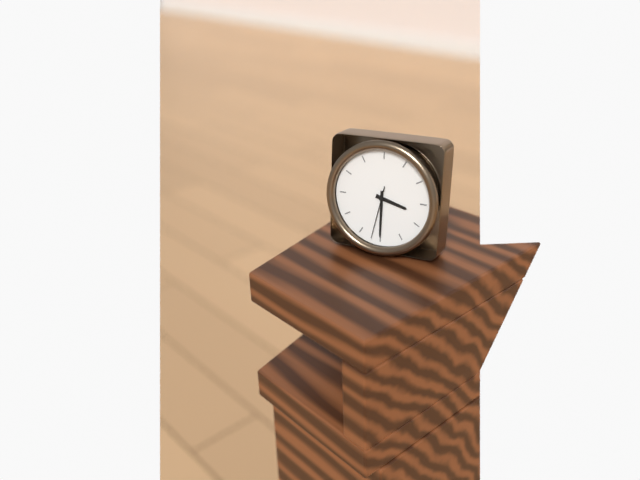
3:30:32
